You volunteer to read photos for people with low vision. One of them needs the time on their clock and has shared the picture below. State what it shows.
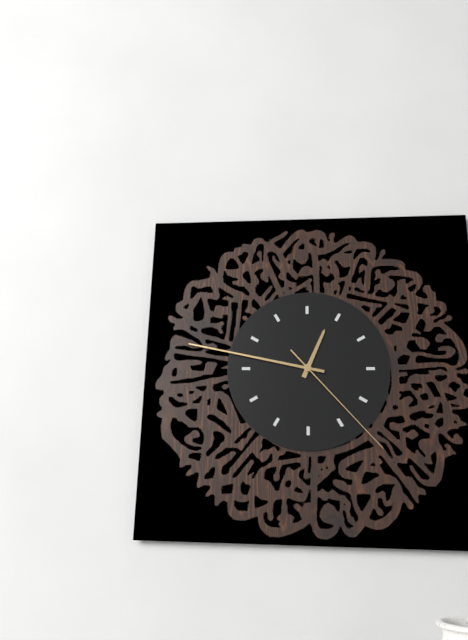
12:47:23
